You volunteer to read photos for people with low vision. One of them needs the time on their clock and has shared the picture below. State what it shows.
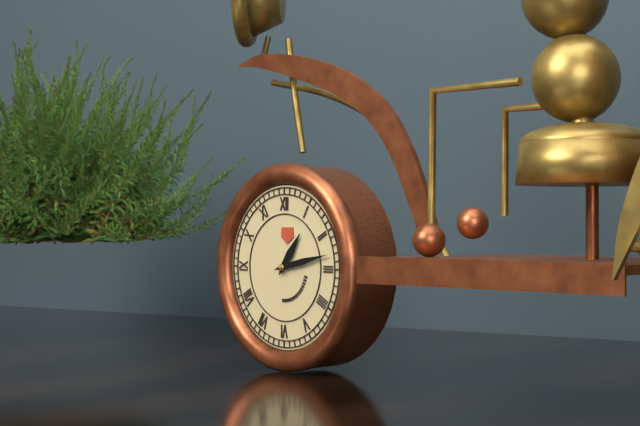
1:13
